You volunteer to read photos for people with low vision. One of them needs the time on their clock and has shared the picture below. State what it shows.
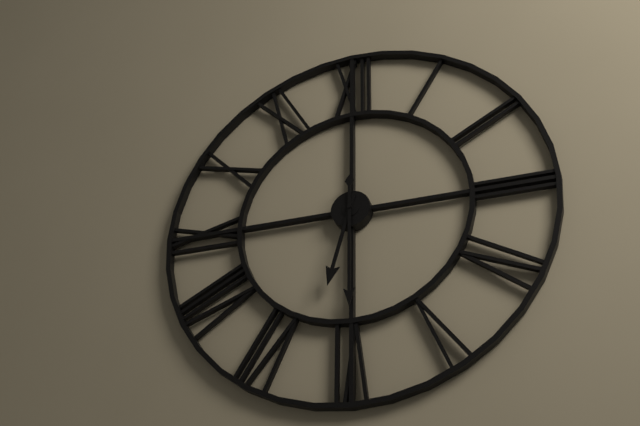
6:30
